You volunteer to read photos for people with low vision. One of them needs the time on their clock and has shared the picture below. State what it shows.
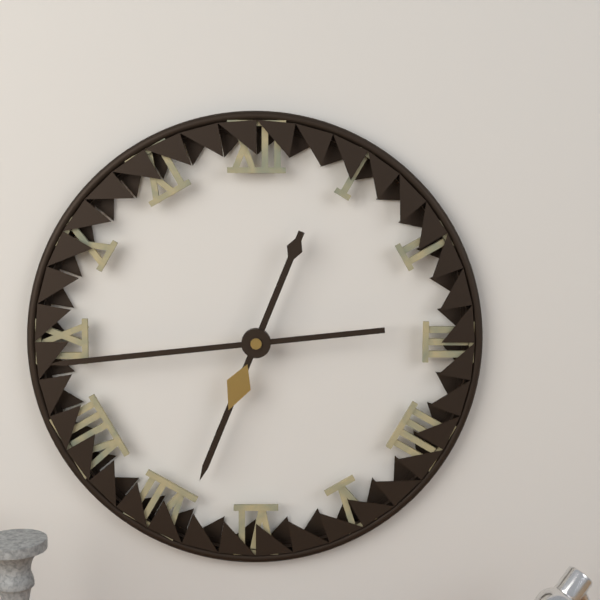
6:44
